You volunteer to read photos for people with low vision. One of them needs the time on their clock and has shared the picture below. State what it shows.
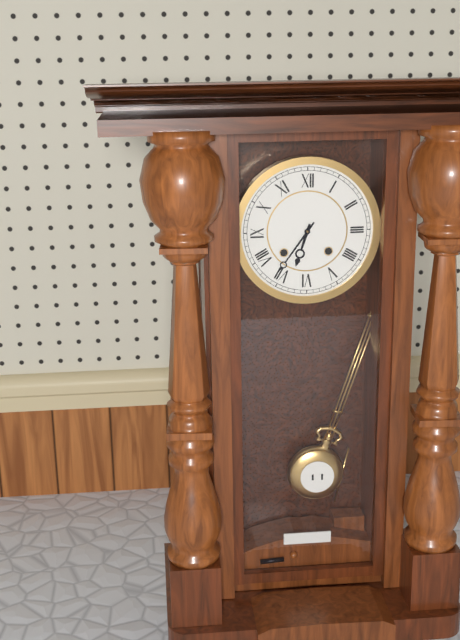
6:36
